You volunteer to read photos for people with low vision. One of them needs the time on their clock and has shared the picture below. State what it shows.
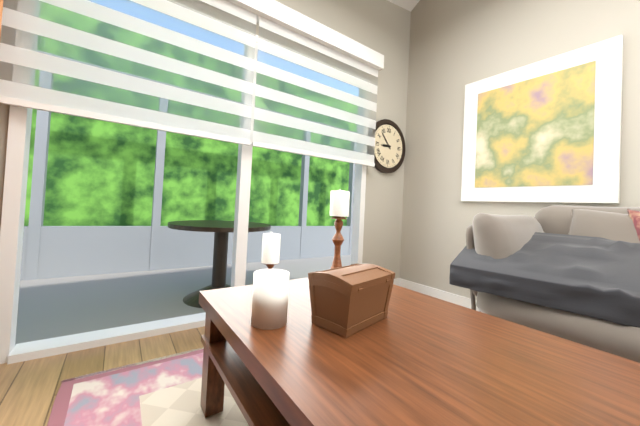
8:53
